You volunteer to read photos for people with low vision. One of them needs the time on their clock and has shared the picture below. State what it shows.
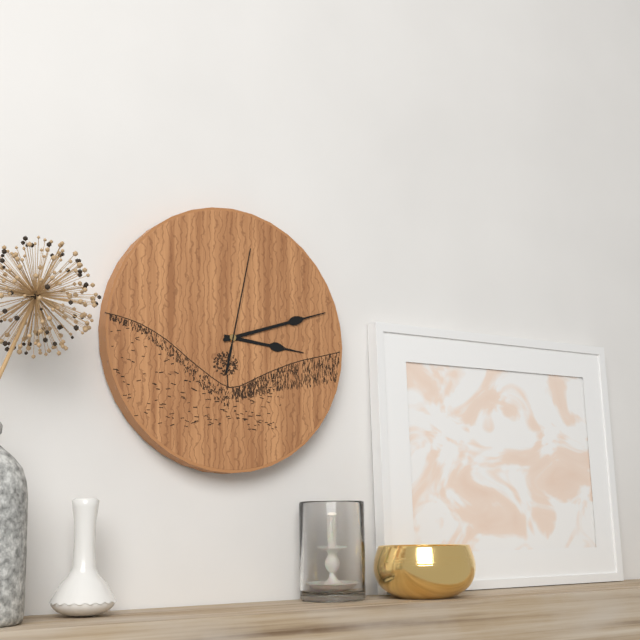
3:12:02
